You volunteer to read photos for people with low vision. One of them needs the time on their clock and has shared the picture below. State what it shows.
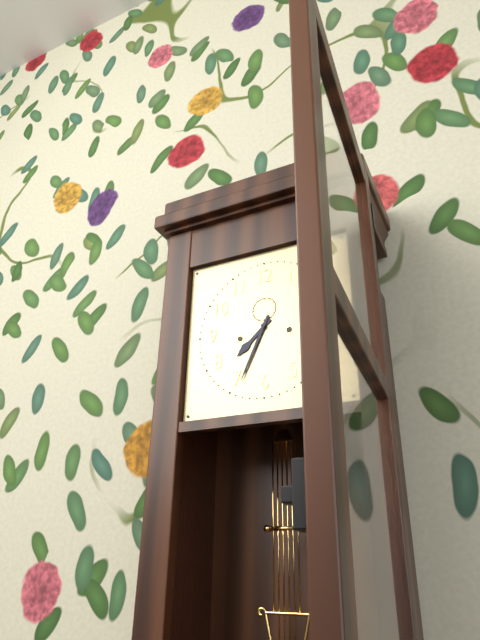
7:34
